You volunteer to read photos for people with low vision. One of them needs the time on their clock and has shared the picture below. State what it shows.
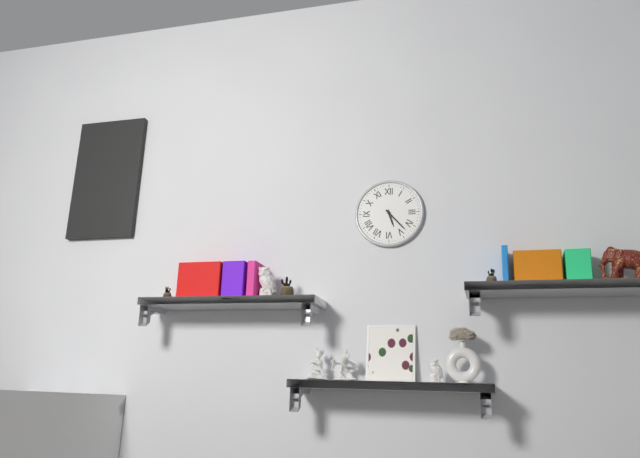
5:23
